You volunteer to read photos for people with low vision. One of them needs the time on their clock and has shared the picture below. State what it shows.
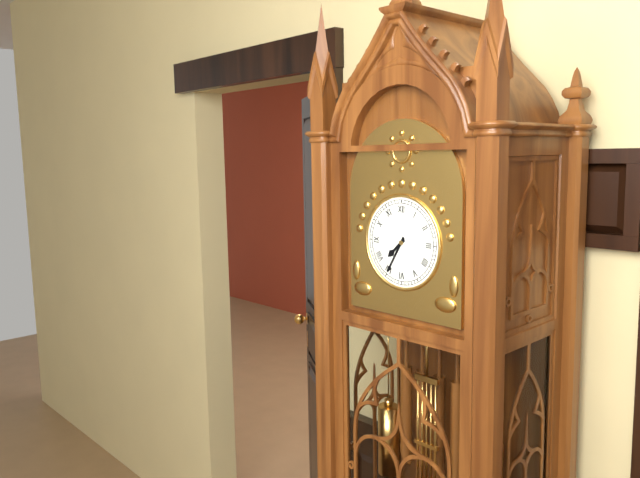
7:35
